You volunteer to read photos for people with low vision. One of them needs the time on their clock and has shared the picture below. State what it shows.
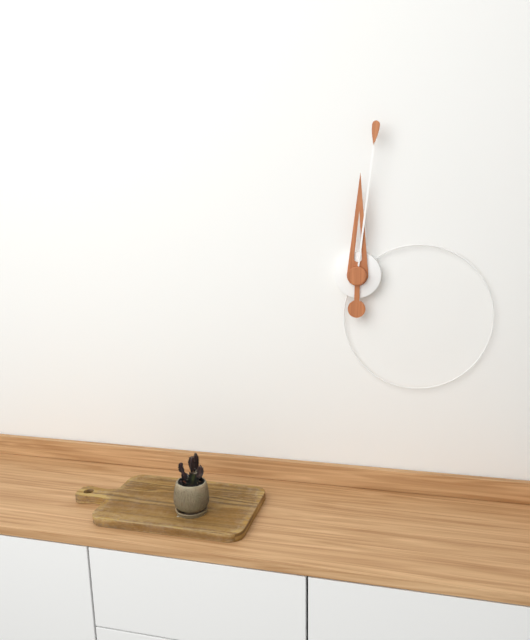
12:01
